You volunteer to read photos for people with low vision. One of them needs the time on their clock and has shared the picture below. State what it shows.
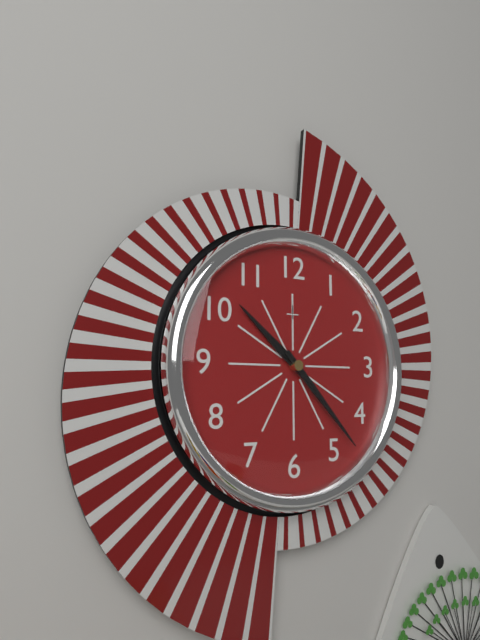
10:23
